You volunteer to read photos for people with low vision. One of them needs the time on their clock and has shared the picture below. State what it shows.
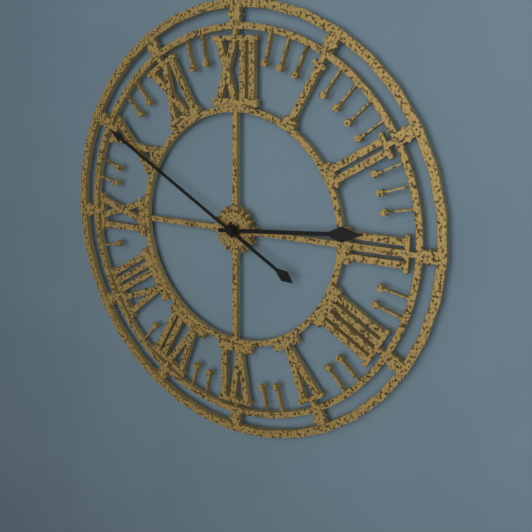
2:50
